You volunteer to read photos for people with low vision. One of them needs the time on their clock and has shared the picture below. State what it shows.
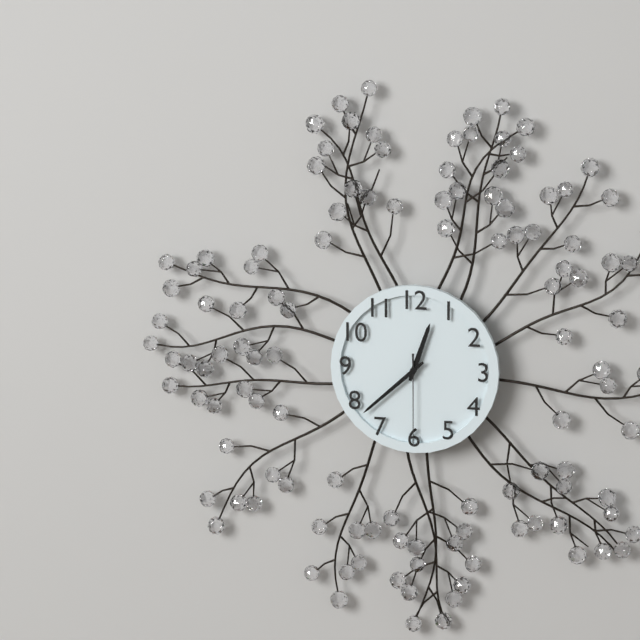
12:38:30
